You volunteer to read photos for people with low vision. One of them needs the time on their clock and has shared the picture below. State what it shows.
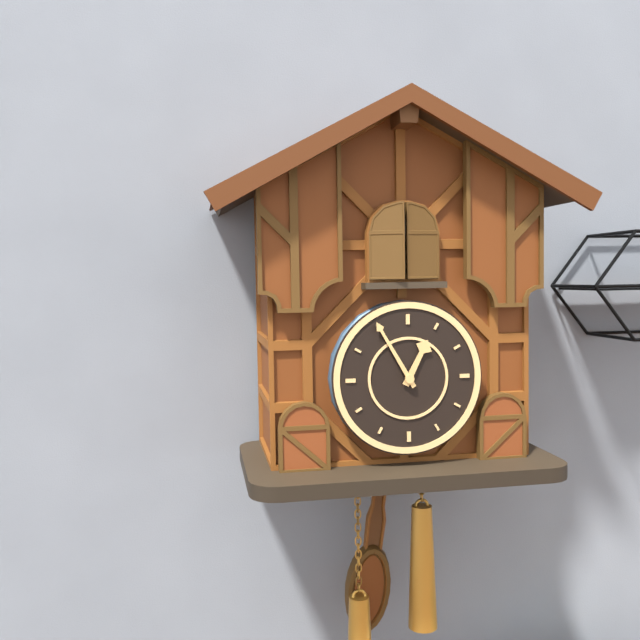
12:55
